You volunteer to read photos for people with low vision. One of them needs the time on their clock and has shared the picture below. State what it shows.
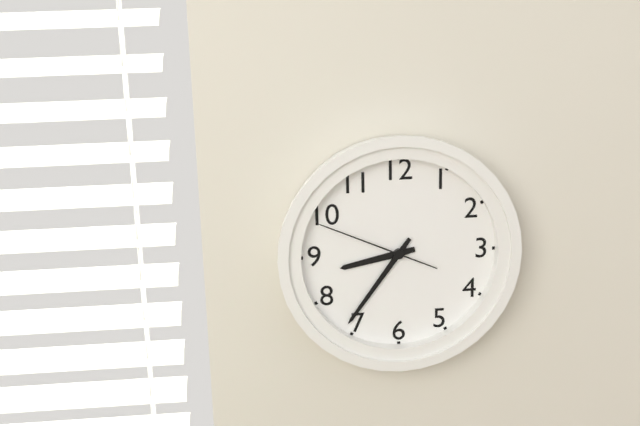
8:36:49
